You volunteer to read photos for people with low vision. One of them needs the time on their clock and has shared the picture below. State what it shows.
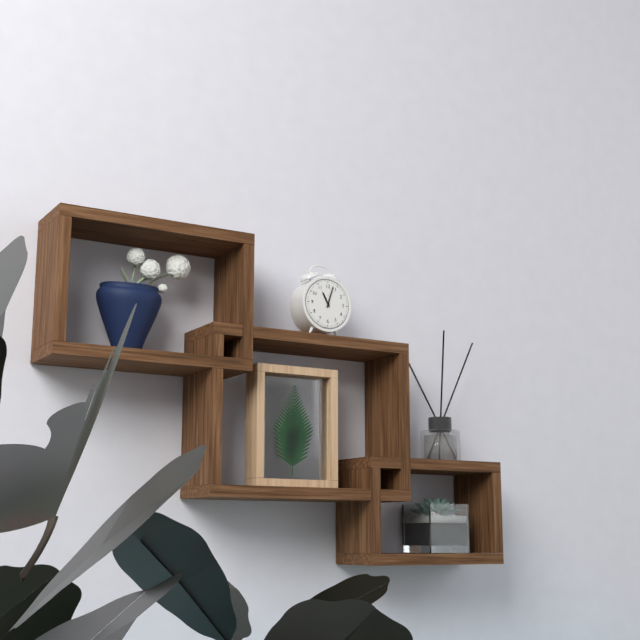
11:03
